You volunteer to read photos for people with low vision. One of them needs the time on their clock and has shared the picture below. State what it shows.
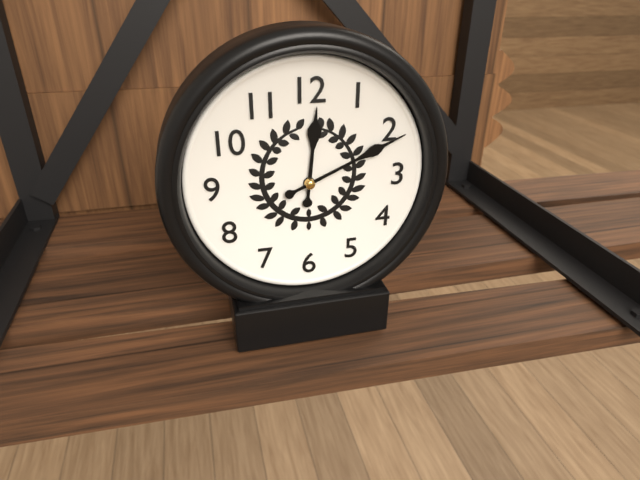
12:11
